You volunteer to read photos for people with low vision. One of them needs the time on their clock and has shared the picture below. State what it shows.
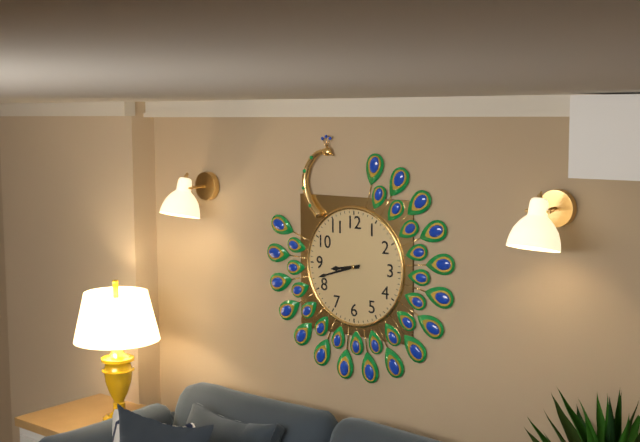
8:42
